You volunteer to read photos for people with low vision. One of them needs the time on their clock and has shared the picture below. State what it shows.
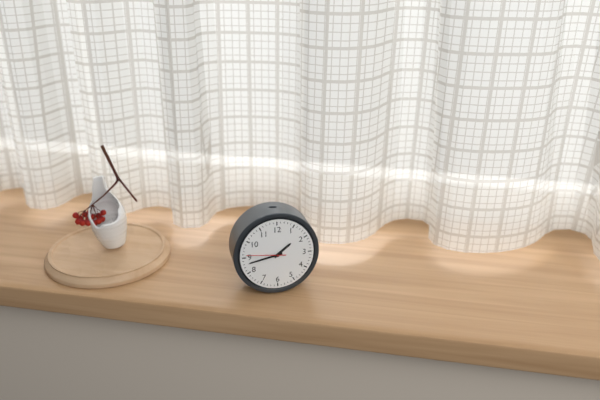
1:43
